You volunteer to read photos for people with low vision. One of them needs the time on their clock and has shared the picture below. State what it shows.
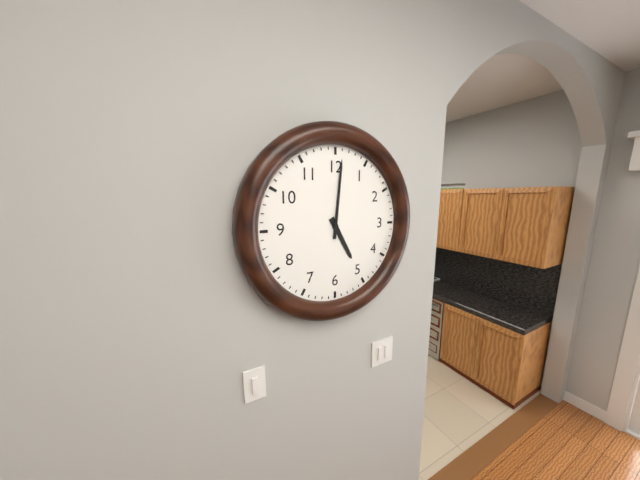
5:01
